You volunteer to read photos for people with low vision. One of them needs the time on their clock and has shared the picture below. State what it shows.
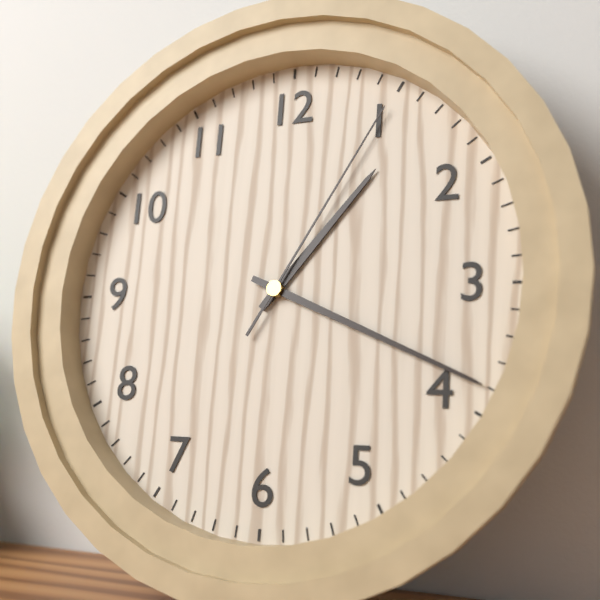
1:19:05
